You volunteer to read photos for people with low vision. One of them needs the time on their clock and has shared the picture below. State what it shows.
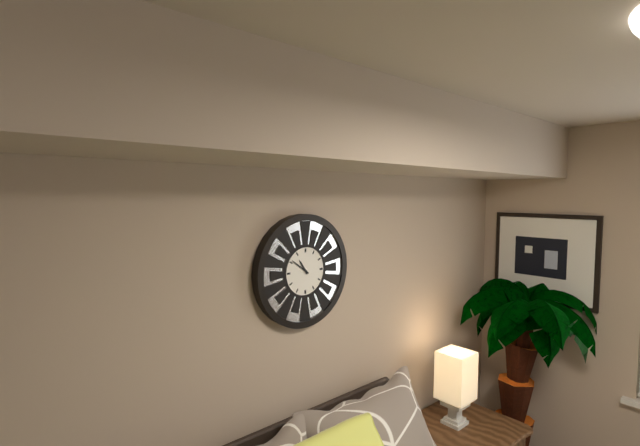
10:51
